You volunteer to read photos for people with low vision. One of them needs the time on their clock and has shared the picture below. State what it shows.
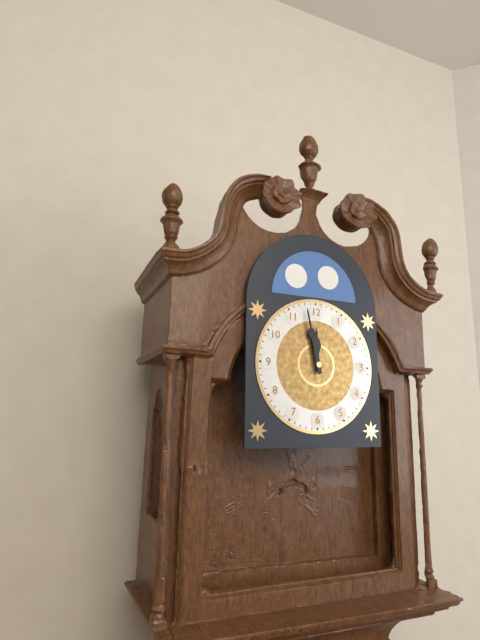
11:58
